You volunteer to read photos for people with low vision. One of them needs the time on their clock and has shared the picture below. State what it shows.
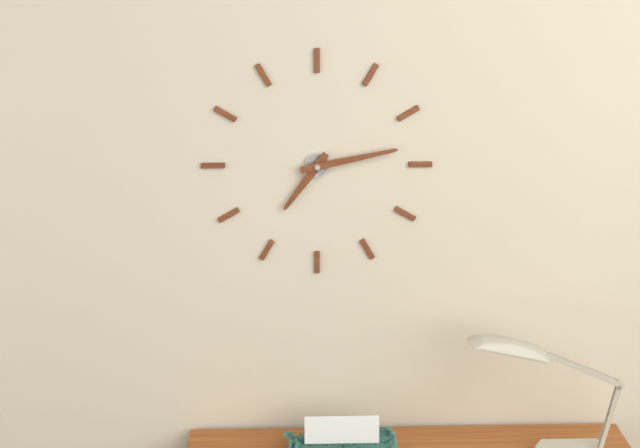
7:13
